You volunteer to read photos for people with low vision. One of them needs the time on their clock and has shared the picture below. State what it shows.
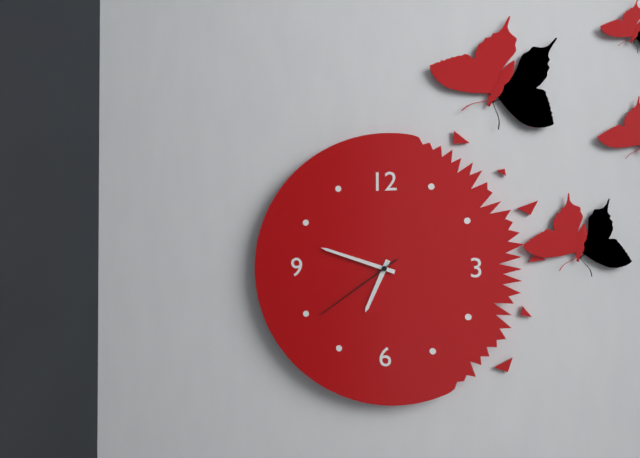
6:48:39
